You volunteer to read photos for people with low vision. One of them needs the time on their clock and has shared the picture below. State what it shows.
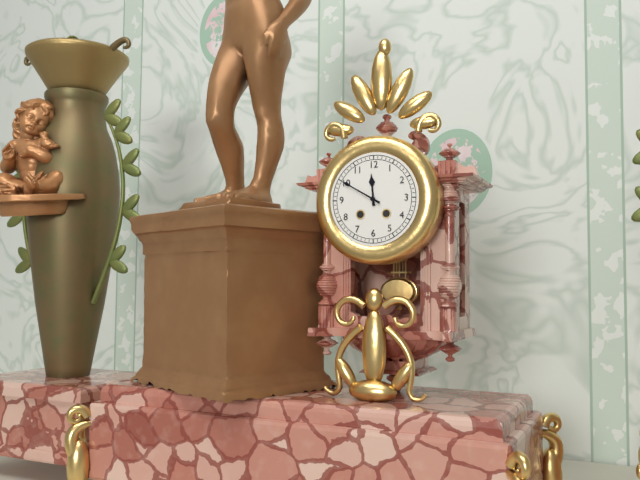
11:50
